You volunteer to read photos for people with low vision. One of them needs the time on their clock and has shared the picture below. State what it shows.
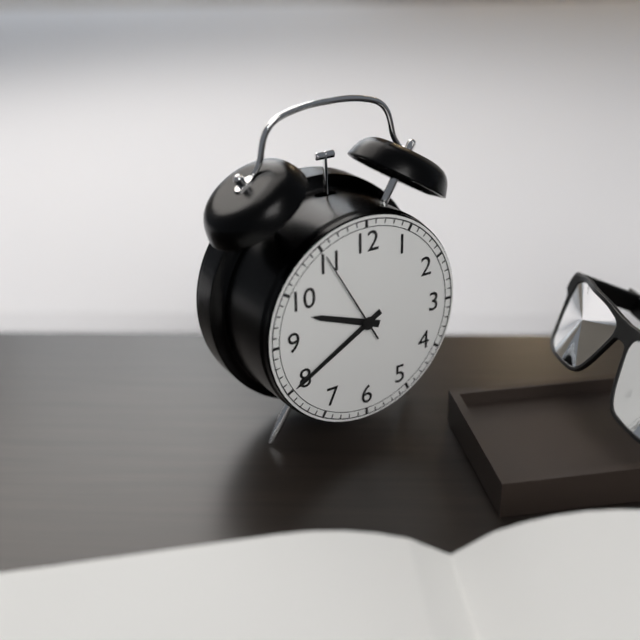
9:40:55
